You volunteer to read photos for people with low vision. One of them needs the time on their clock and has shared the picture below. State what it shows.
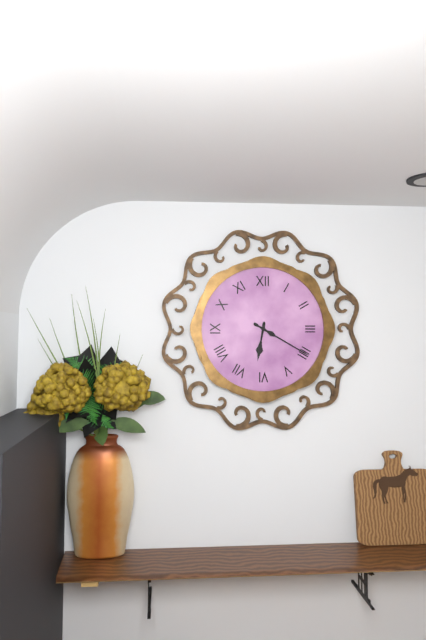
6:20
